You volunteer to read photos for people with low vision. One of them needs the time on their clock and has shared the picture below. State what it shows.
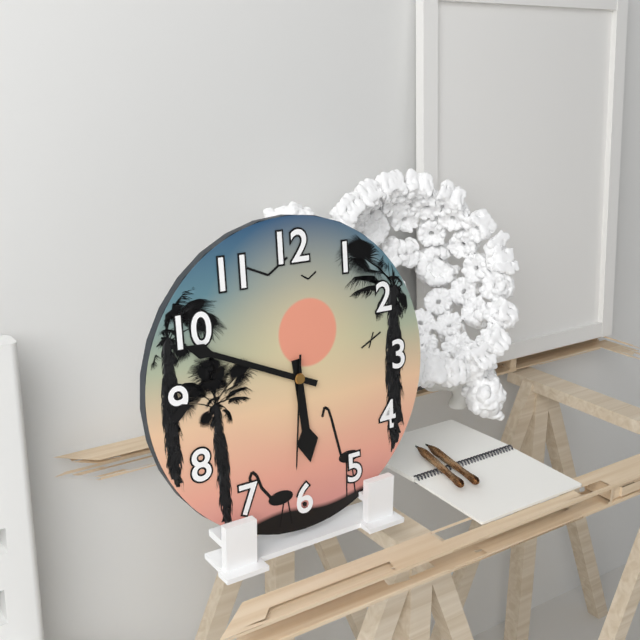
5:49:31
